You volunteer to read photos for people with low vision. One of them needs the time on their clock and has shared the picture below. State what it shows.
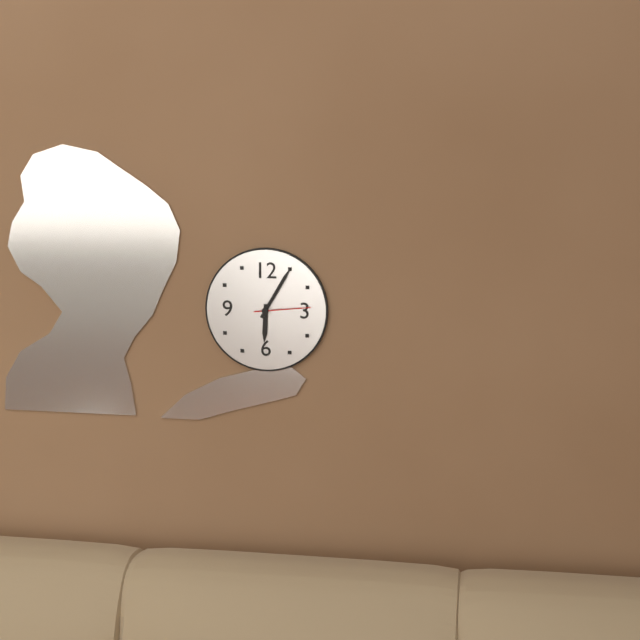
6:05:14
